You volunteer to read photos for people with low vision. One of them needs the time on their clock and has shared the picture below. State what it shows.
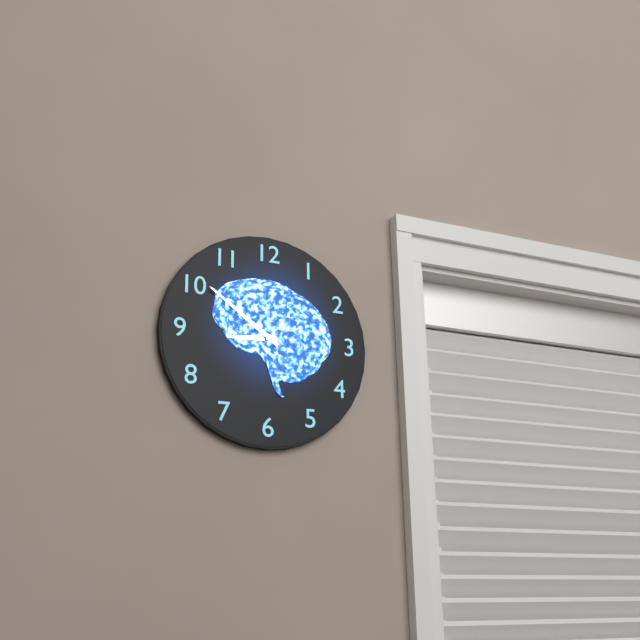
8:51
